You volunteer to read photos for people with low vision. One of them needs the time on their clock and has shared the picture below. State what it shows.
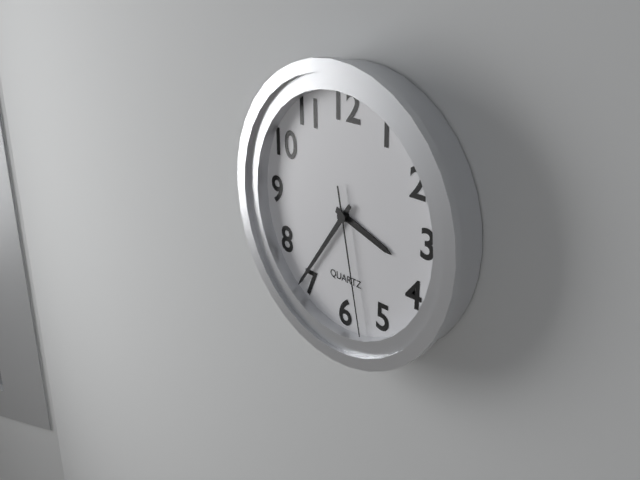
3:36:28
